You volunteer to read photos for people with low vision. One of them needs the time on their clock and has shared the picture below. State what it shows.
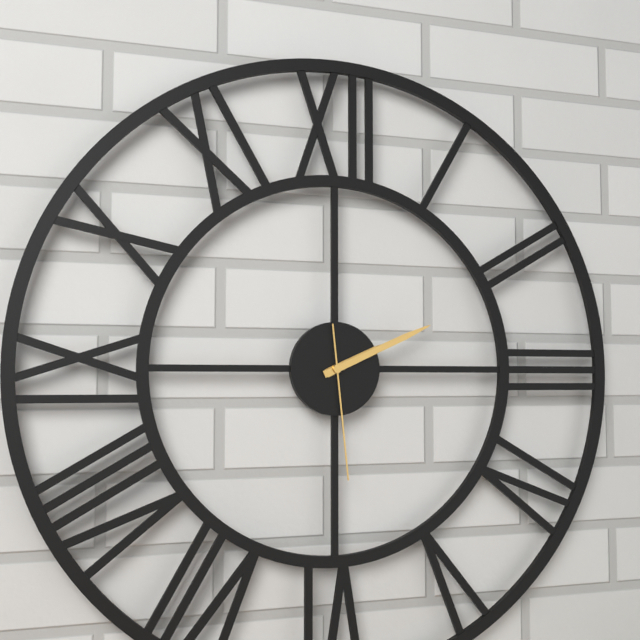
2:11:29
